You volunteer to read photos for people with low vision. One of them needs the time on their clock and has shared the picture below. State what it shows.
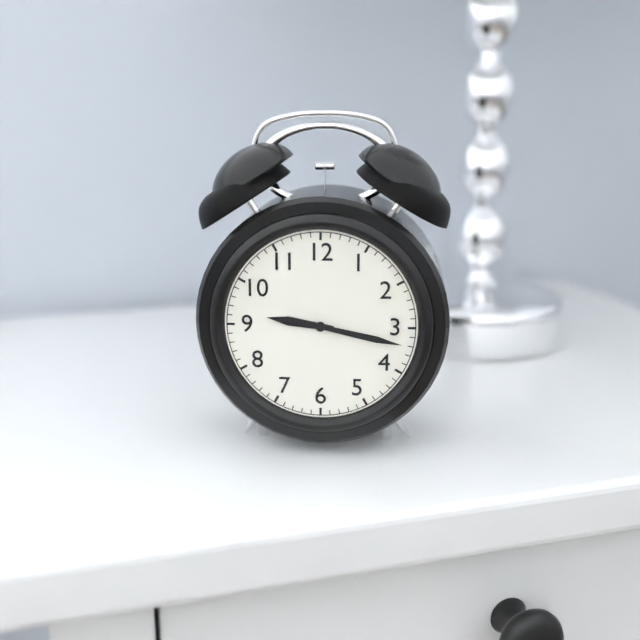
9:17
